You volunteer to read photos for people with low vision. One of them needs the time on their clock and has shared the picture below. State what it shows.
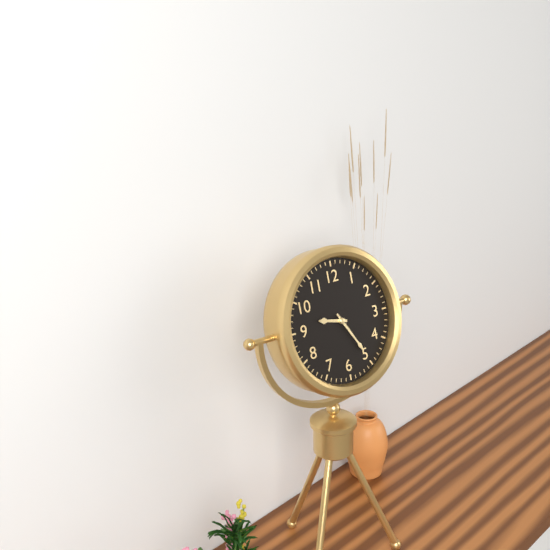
9:25
